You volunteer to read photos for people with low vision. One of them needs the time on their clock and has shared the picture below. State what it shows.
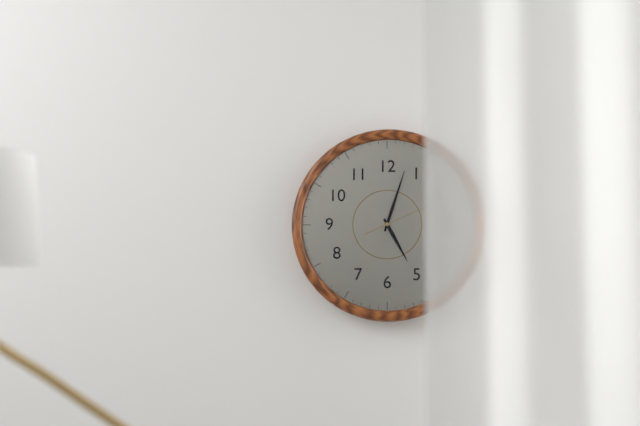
5:03
